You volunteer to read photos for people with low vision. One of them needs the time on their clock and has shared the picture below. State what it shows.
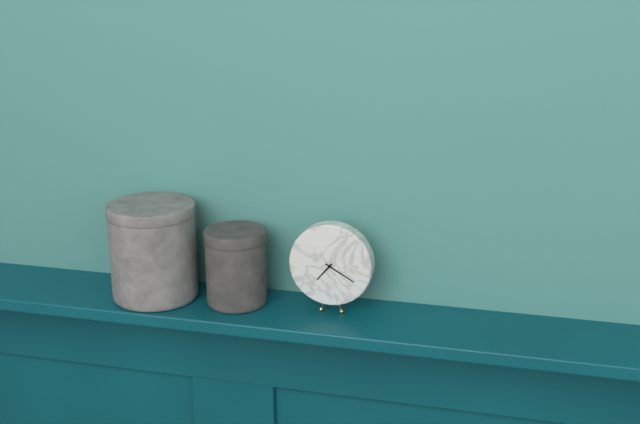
7:20
